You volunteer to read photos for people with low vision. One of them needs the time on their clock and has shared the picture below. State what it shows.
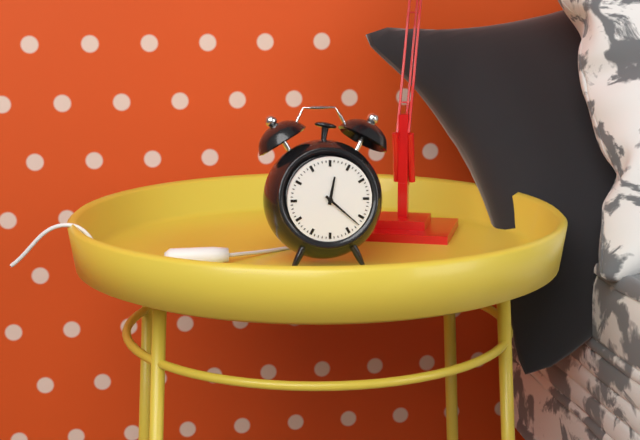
12:22
